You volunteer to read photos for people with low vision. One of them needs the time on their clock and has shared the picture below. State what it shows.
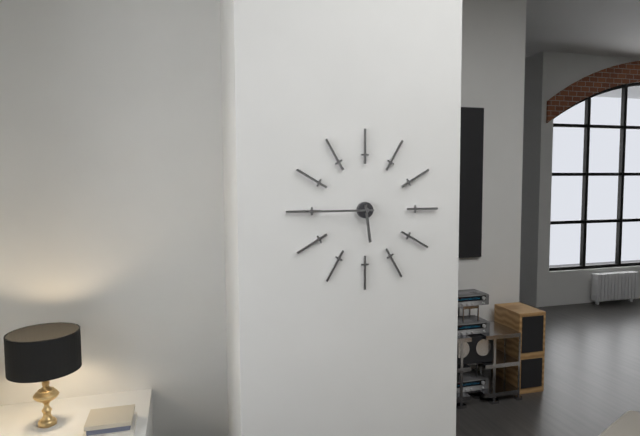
5:45
